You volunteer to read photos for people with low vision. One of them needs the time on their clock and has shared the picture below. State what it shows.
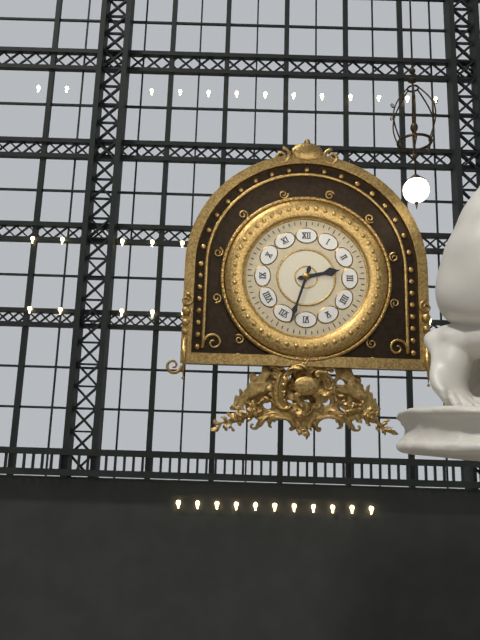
2:33
